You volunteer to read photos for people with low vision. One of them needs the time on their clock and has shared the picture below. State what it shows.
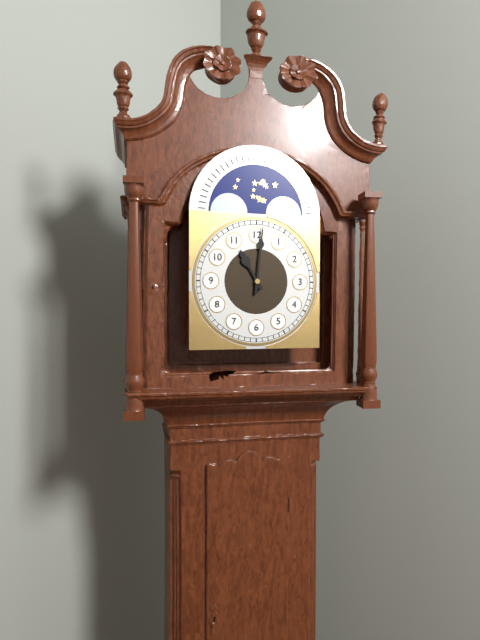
11:01
